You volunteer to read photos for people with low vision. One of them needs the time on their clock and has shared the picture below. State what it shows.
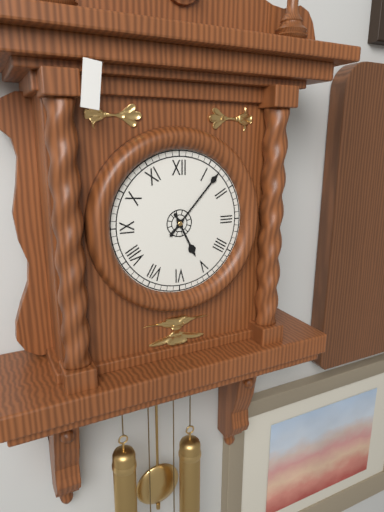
5:07
